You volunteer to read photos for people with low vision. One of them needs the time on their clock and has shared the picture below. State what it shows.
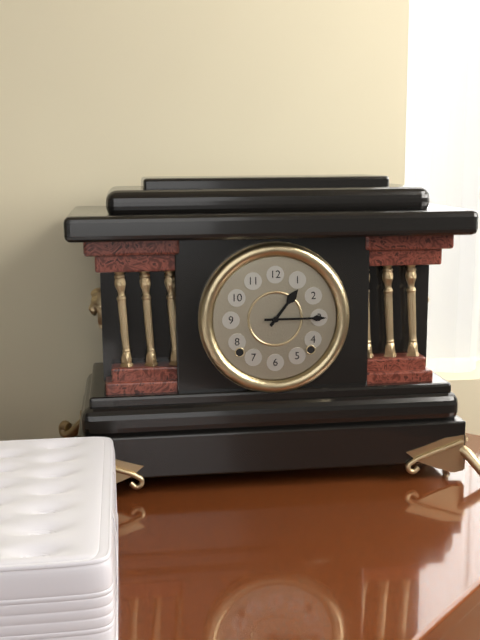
1:15
